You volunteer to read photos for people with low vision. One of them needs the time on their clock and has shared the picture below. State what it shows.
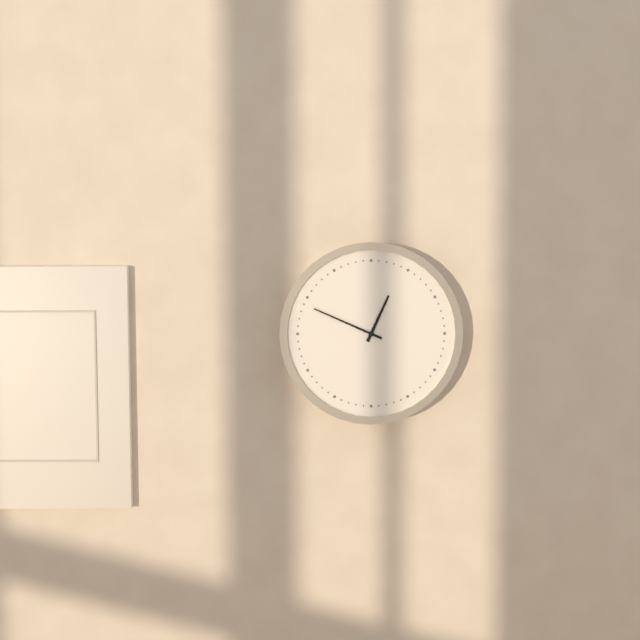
12:49
